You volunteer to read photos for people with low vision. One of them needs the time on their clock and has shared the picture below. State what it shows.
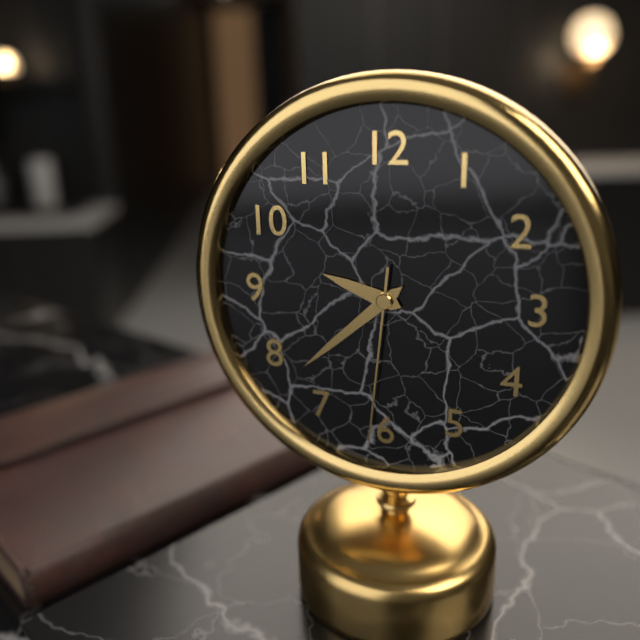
9:38:31
